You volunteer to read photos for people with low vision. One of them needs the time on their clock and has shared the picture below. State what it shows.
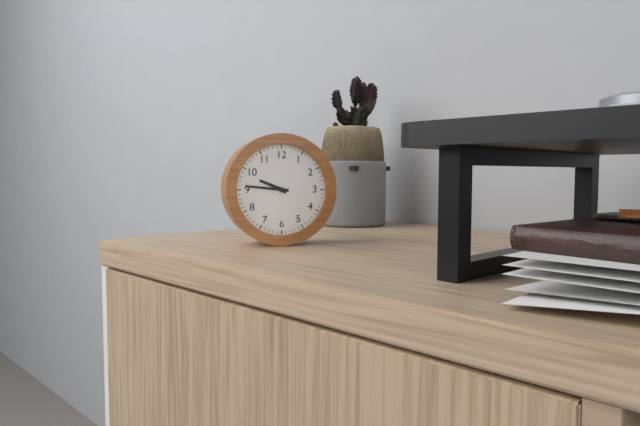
9:46
